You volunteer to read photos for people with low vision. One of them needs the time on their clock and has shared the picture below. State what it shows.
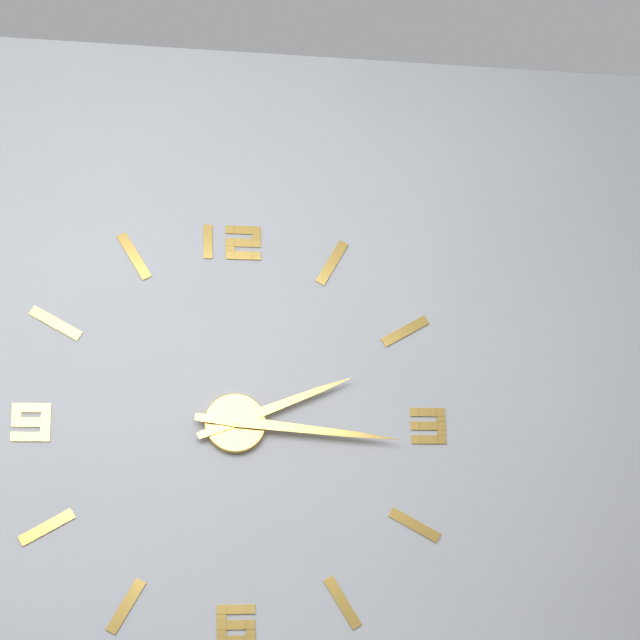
2:16
